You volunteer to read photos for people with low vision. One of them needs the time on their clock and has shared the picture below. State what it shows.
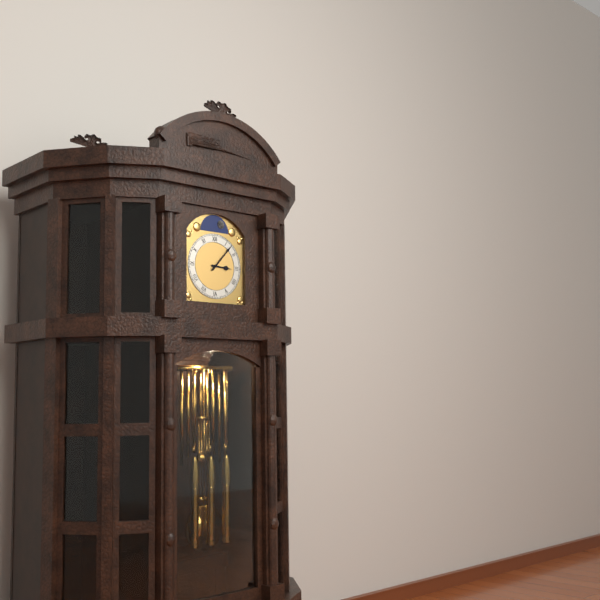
3:07
